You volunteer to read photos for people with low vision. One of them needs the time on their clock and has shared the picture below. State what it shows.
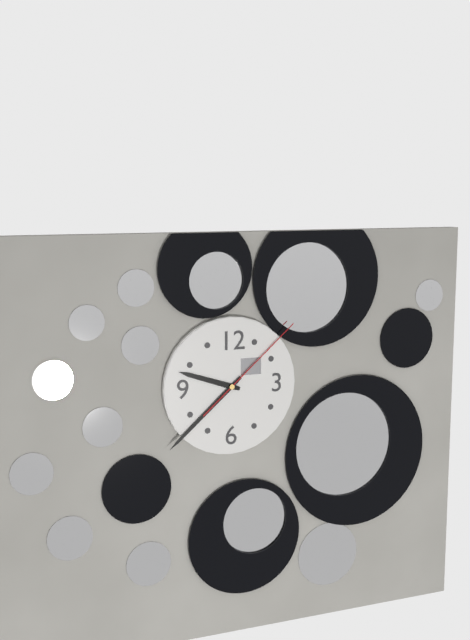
9:38:08
